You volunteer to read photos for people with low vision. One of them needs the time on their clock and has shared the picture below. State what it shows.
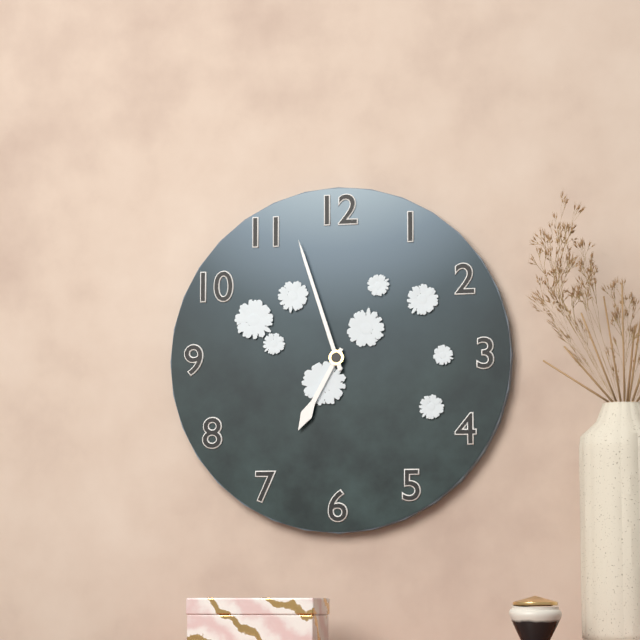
6:57
